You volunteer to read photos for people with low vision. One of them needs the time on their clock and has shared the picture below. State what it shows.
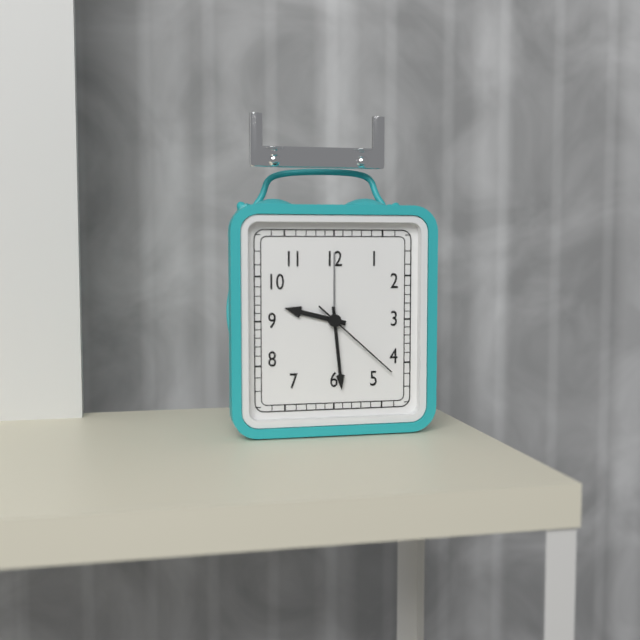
9:29:22
